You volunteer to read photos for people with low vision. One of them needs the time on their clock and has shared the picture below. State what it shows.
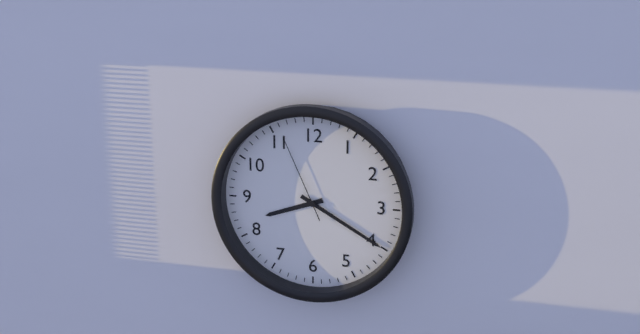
8:20:56
